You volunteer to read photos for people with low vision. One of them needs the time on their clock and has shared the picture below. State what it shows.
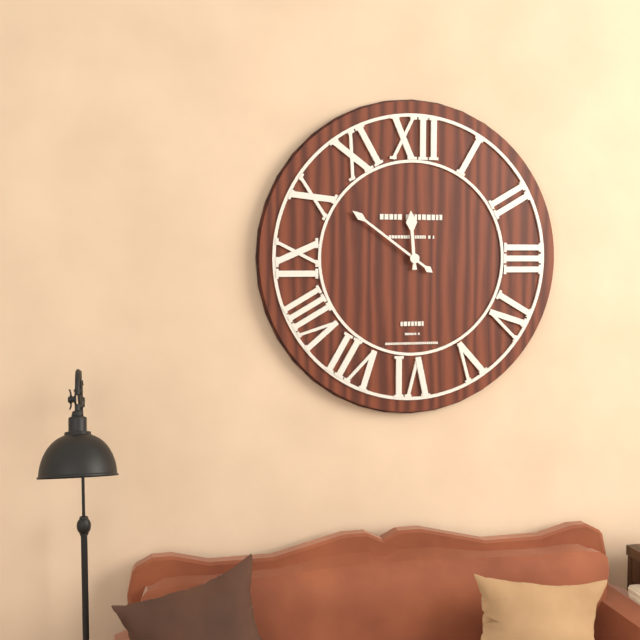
11:51
